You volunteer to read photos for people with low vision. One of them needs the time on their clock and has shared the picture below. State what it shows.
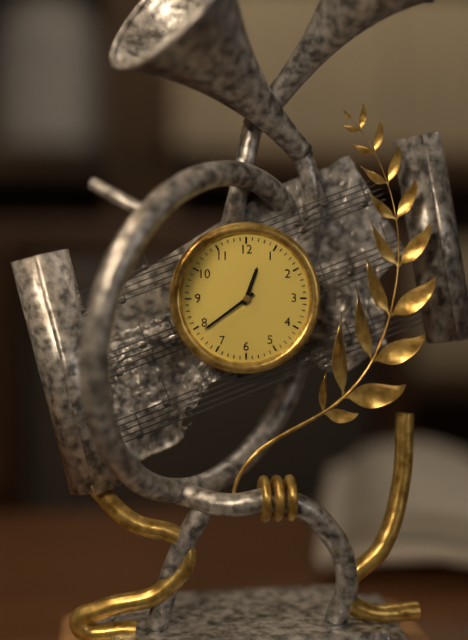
12:39
